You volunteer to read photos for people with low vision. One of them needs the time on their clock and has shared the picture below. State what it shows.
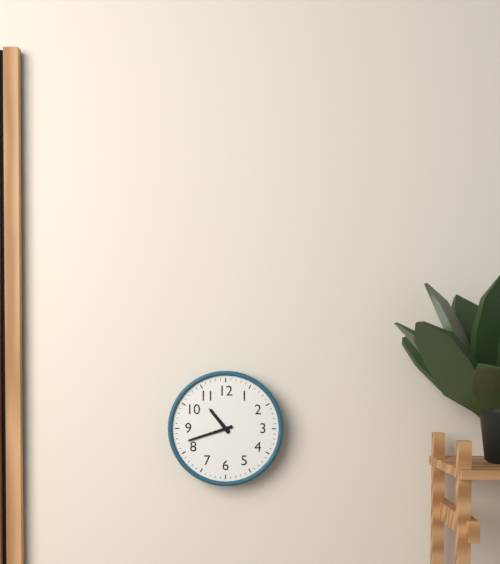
10:42
